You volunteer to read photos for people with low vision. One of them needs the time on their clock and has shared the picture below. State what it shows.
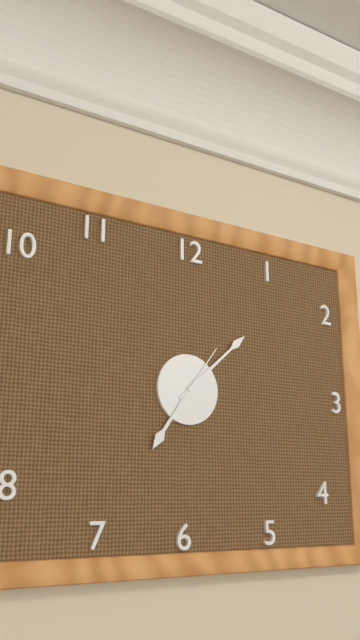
7:08:06
